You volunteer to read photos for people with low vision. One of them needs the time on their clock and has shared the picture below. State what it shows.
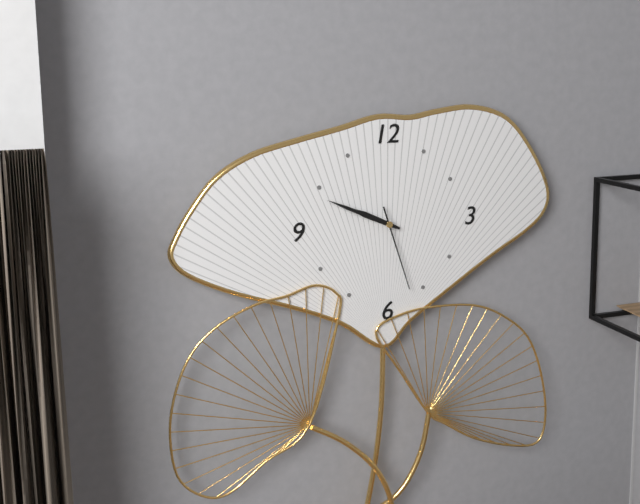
9:49:27
